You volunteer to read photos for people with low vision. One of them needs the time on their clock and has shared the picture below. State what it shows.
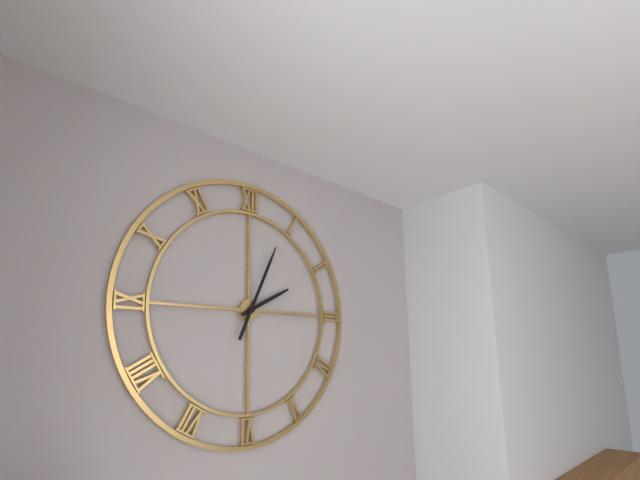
2:04
